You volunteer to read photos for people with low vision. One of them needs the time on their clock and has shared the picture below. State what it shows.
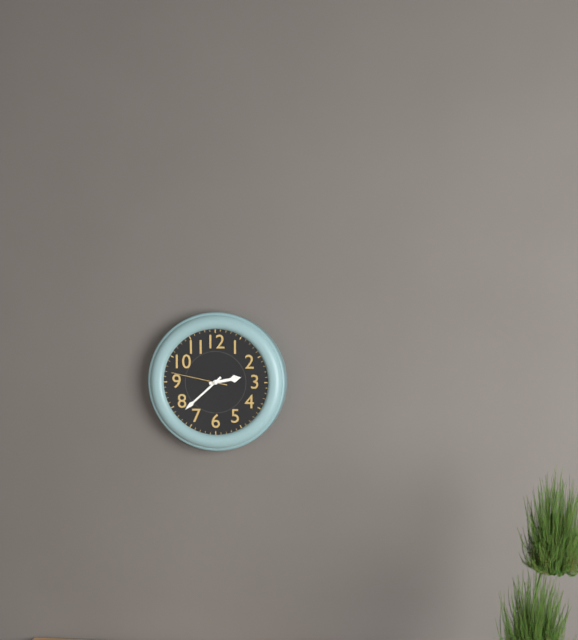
2:38:47
